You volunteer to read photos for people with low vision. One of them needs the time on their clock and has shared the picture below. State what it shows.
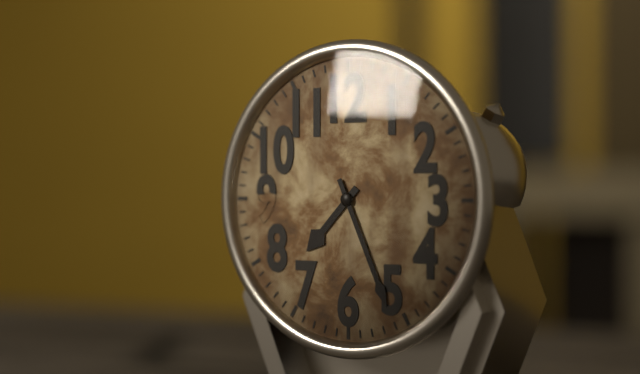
7:26
